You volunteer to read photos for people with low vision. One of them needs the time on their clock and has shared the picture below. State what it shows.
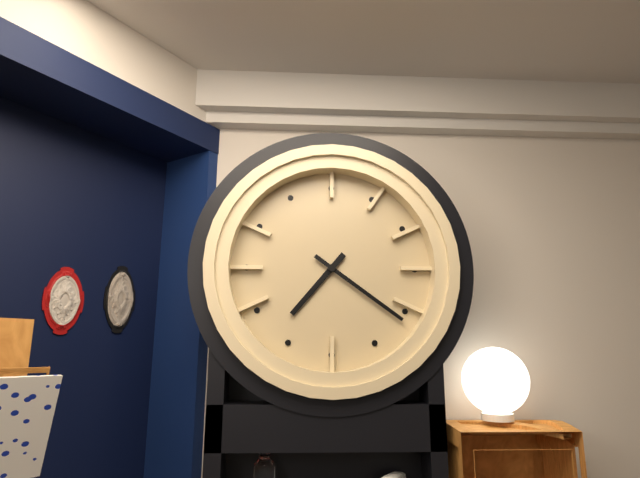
7:21
